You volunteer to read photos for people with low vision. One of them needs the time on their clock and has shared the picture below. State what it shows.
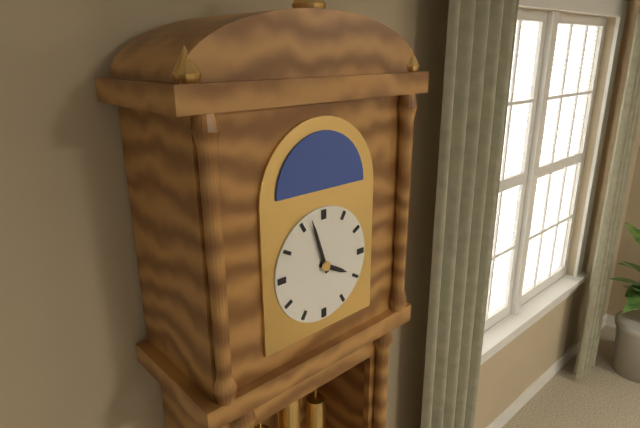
3:57
